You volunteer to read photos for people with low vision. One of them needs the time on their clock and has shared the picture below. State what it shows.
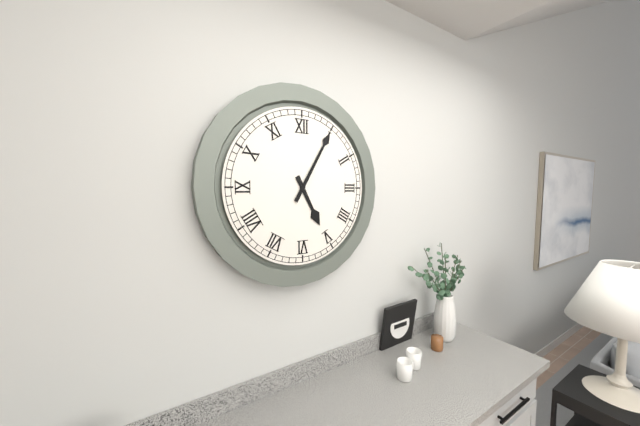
5:05
